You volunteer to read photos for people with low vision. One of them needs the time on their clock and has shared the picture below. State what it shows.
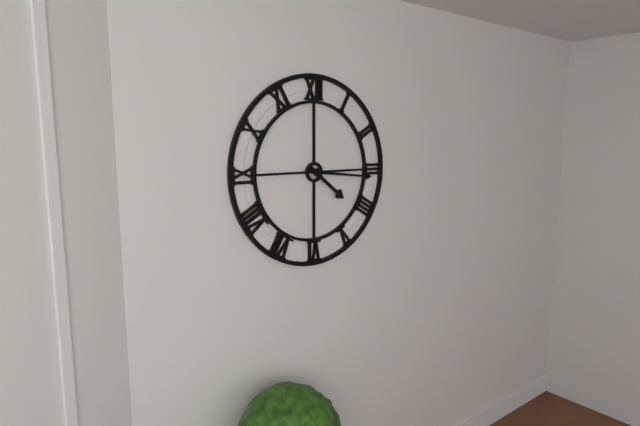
4:16
